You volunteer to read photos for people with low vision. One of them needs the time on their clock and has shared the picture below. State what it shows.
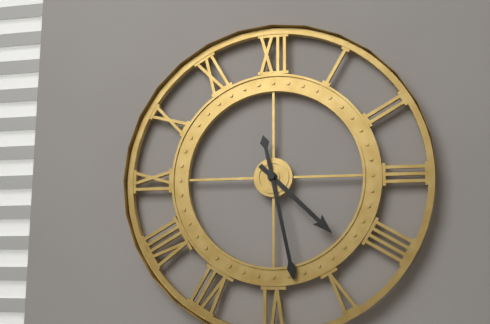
4:28
